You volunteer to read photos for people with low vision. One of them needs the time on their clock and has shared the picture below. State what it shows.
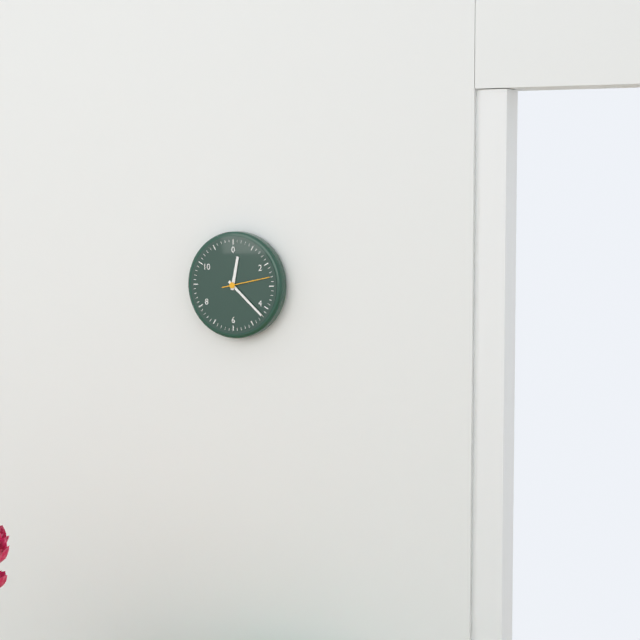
12:22
